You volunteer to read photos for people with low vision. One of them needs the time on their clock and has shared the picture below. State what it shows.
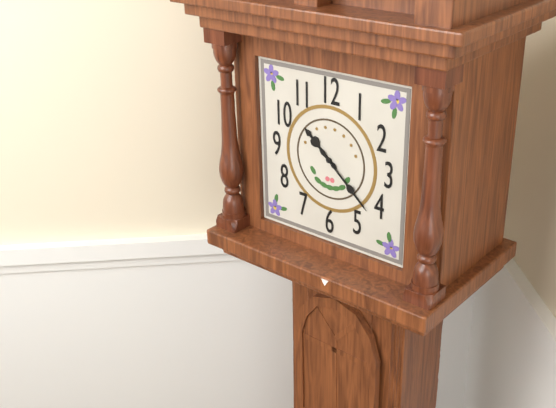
10:22
